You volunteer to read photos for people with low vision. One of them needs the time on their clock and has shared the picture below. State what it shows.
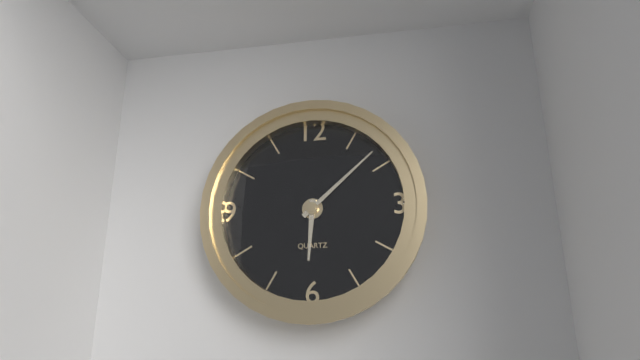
6:08
